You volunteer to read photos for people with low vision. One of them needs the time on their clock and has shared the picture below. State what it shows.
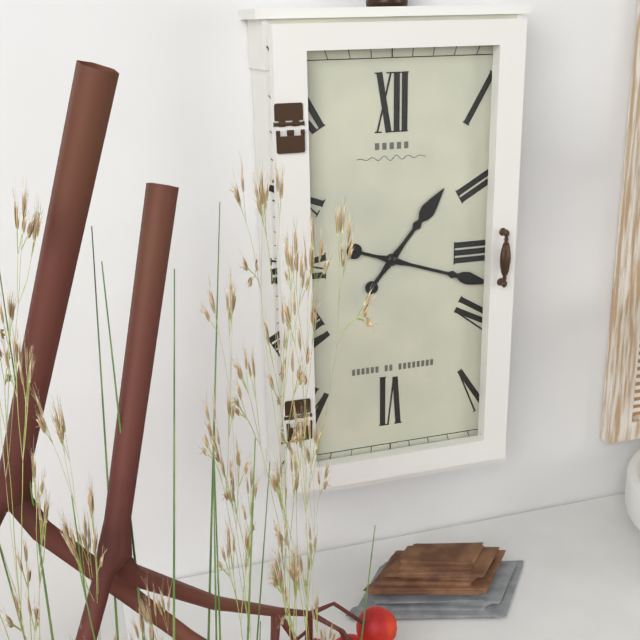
1:18
